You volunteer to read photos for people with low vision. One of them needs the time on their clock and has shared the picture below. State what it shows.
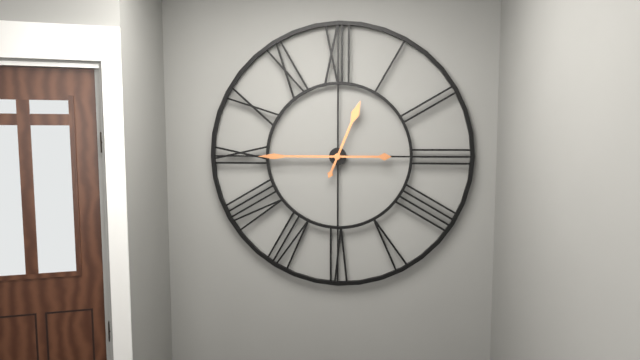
12:45
